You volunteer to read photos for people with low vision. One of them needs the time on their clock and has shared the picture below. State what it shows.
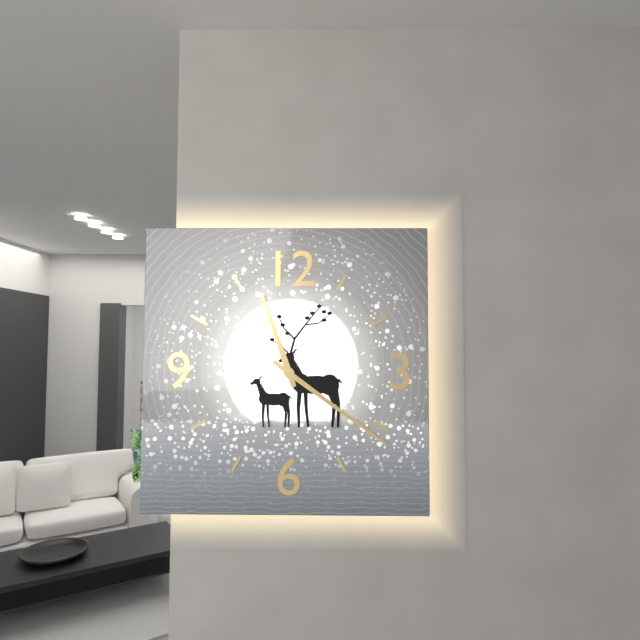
11:21
